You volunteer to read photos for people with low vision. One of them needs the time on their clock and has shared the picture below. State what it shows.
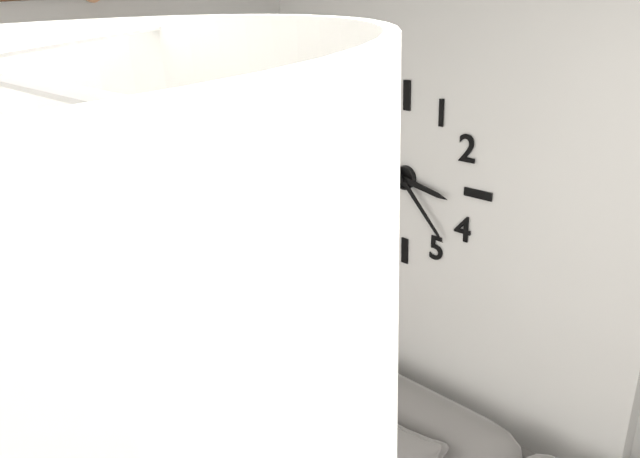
3:23
